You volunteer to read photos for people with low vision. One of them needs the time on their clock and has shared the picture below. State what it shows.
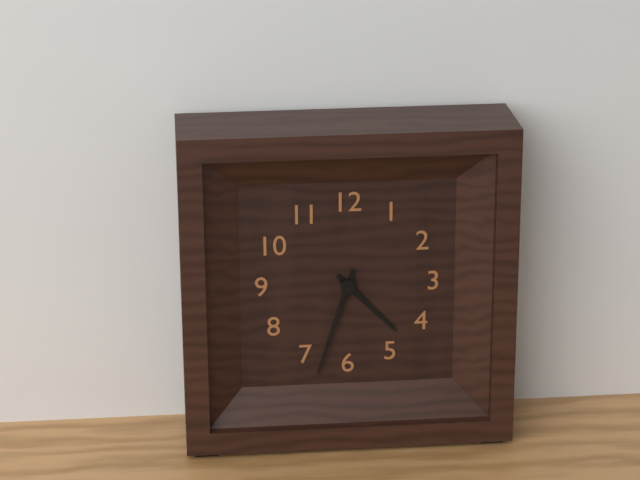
4:33
